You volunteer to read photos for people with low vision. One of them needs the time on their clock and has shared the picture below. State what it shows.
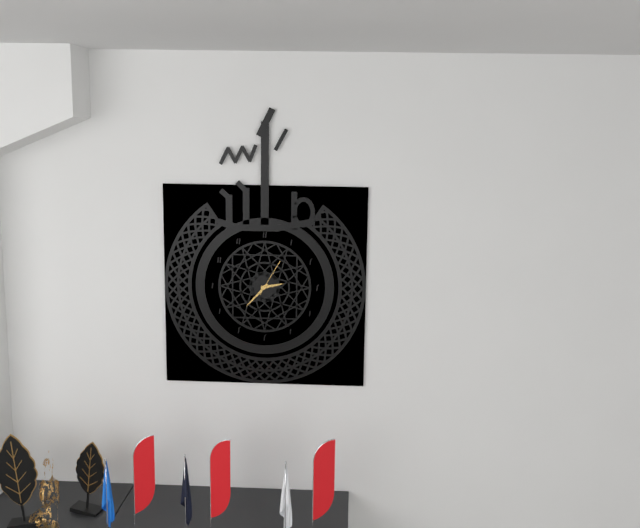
2:37
